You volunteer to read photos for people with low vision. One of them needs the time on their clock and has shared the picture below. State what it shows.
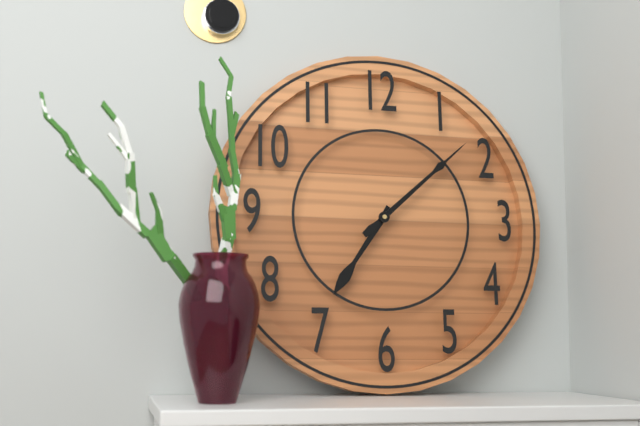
7:08
